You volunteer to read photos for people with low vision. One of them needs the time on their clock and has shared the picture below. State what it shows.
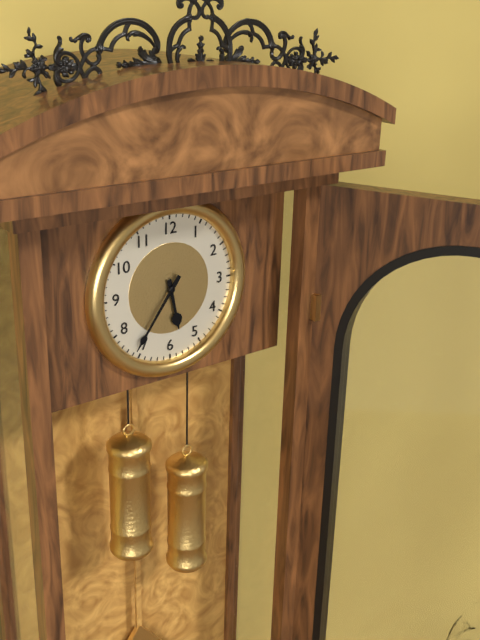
5:36
